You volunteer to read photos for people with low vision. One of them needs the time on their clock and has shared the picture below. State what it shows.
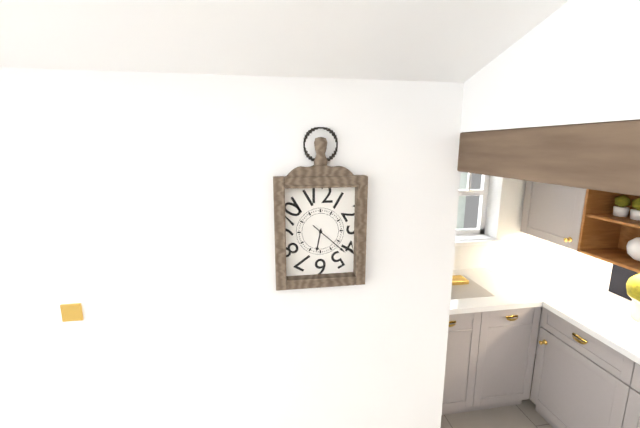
6:22
